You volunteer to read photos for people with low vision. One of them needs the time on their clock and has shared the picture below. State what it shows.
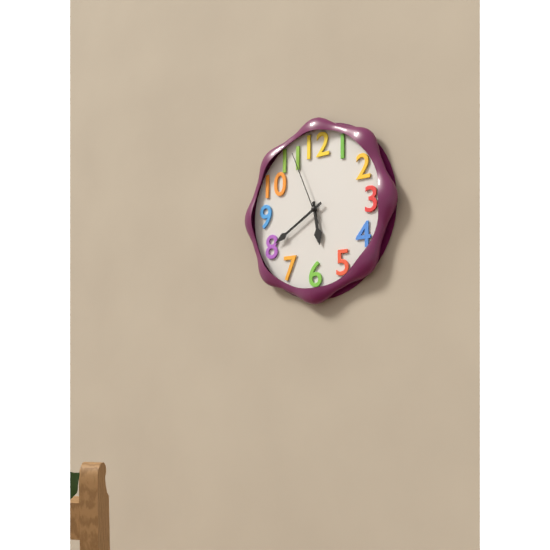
5:40:56
